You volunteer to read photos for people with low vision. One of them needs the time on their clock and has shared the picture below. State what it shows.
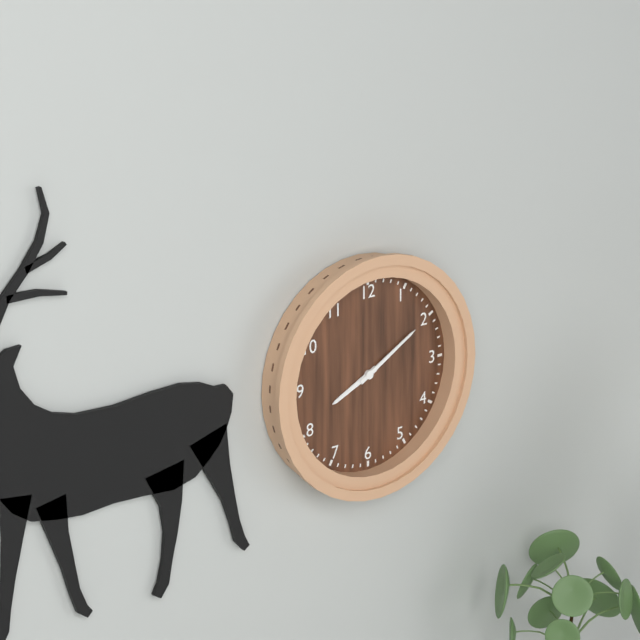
8:10
